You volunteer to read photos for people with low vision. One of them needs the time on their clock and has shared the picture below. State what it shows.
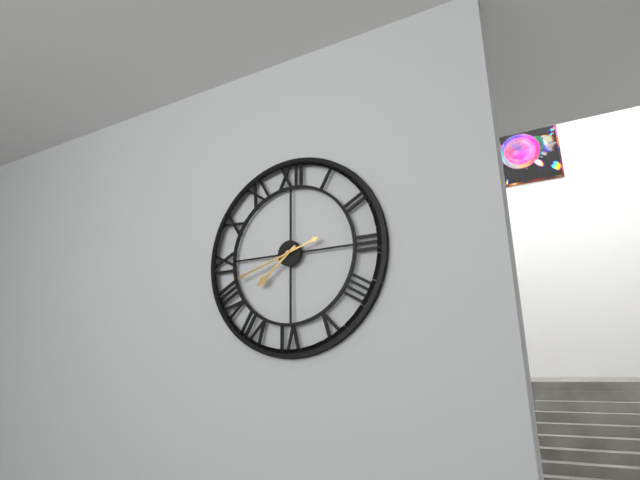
7:42
